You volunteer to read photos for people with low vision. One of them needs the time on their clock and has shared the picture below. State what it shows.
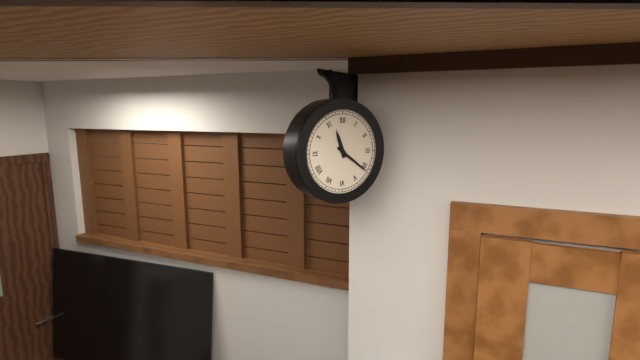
11:21
